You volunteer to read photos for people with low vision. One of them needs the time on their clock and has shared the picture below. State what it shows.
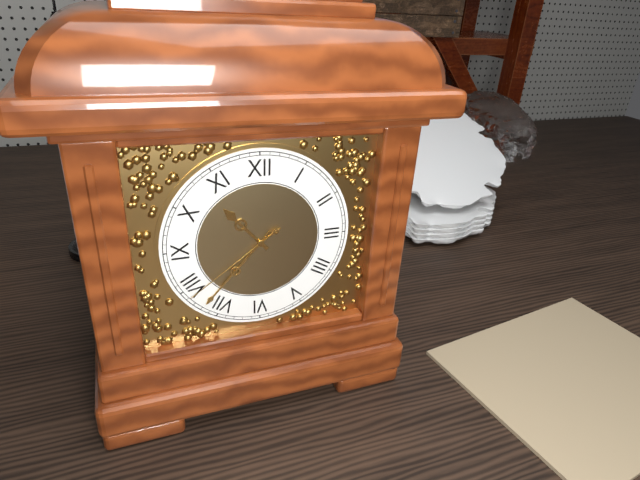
10:37:39
